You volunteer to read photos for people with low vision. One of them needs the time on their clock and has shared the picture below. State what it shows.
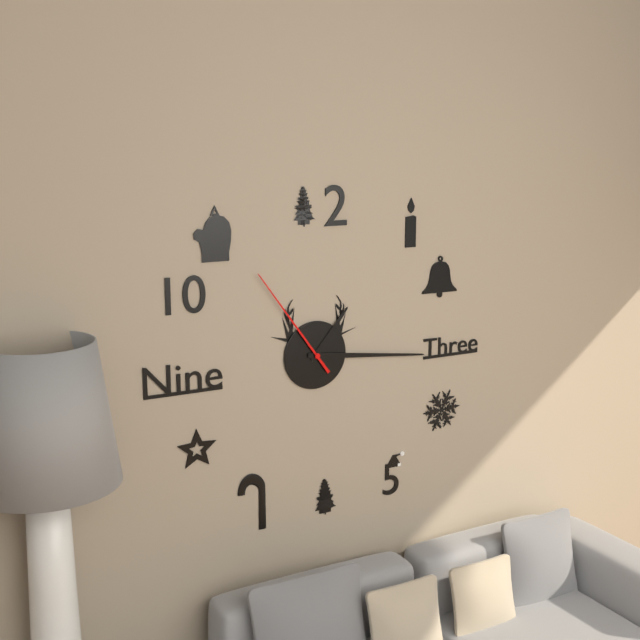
1:16:54
